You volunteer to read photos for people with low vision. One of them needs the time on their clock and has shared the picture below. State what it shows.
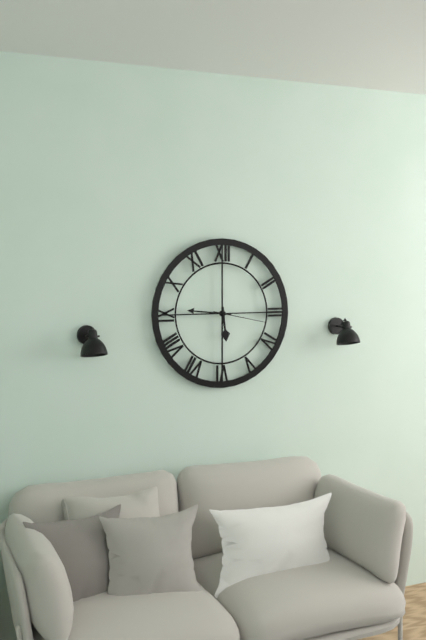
5:46:17
